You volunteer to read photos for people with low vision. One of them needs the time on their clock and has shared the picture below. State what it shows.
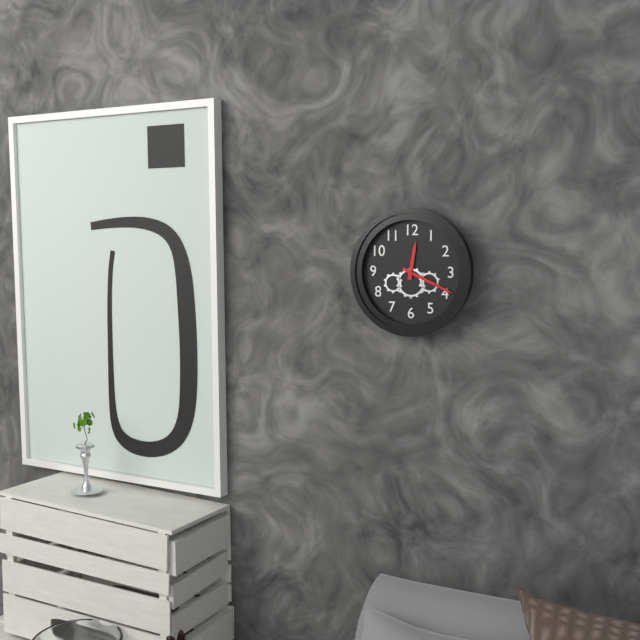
12:19
